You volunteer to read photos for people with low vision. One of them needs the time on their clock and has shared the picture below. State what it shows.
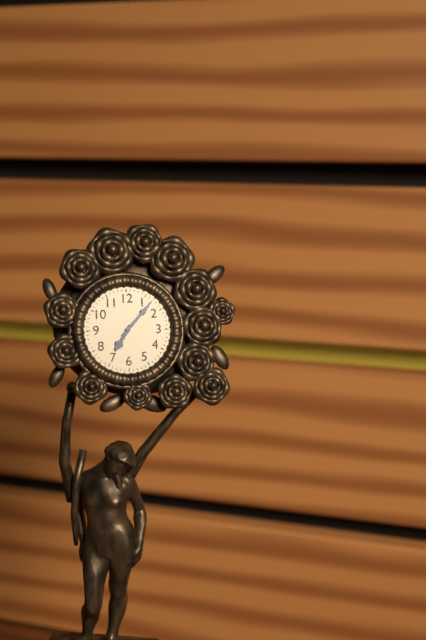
7:07
